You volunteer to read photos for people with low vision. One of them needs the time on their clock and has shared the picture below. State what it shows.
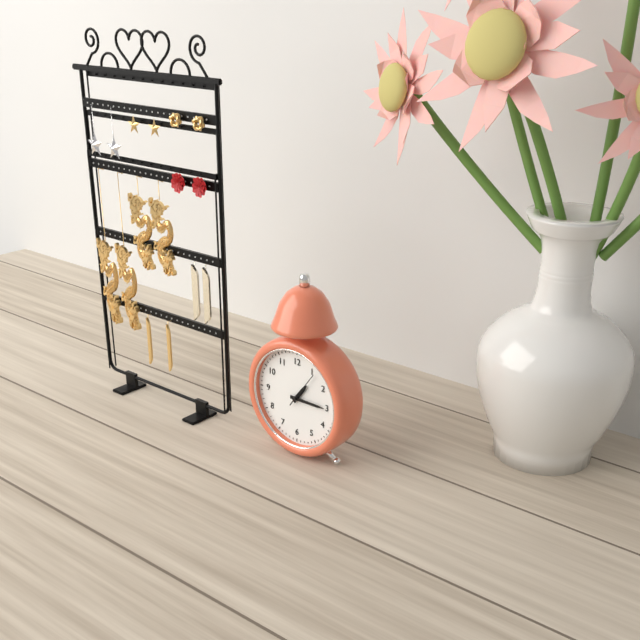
1:15
